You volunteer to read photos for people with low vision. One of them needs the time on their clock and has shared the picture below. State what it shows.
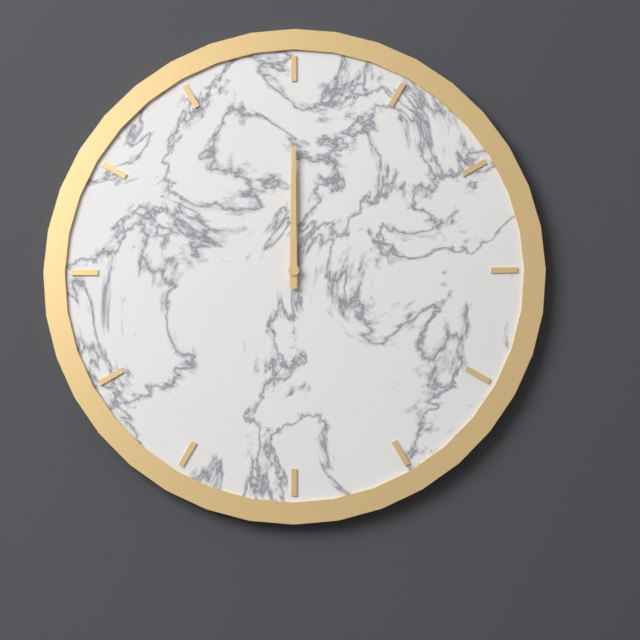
12:00
